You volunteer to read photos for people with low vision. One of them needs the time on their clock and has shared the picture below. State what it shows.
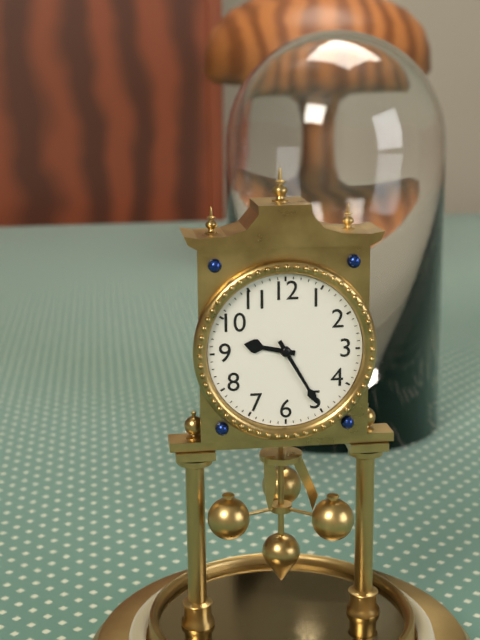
9:25
